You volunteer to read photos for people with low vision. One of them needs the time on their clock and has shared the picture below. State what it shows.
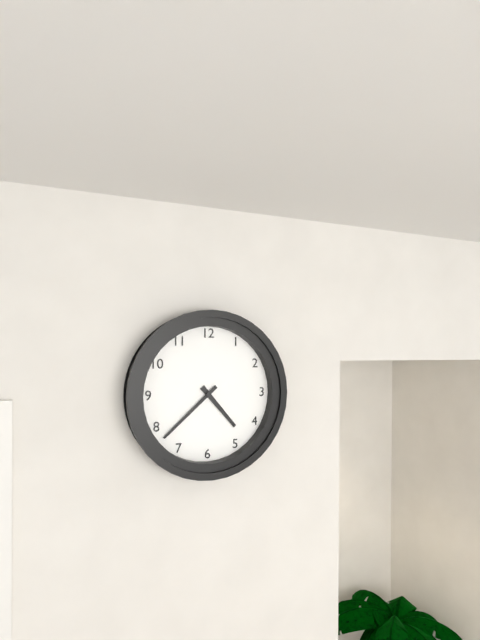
4:38
